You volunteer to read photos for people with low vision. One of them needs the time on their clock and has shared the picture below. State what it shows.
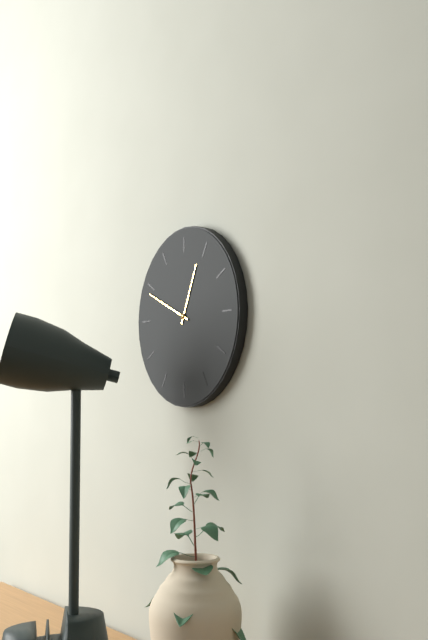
12:49
